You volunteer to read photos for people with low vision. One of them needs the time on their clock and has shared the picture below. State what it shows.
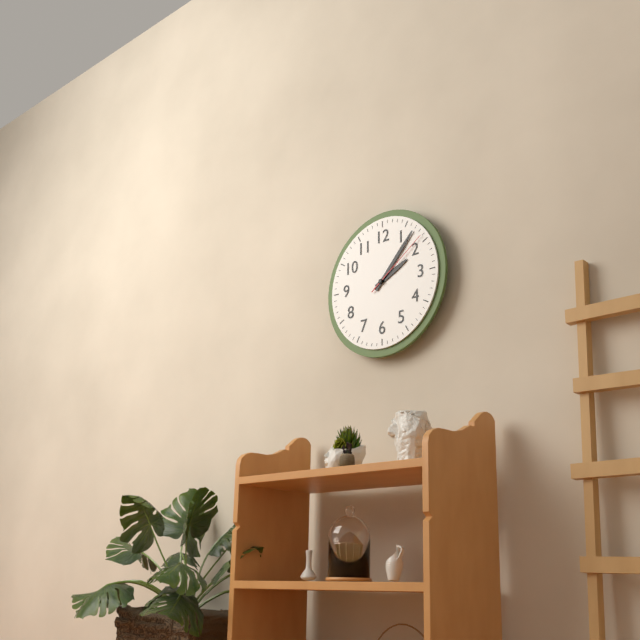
2:07:09
